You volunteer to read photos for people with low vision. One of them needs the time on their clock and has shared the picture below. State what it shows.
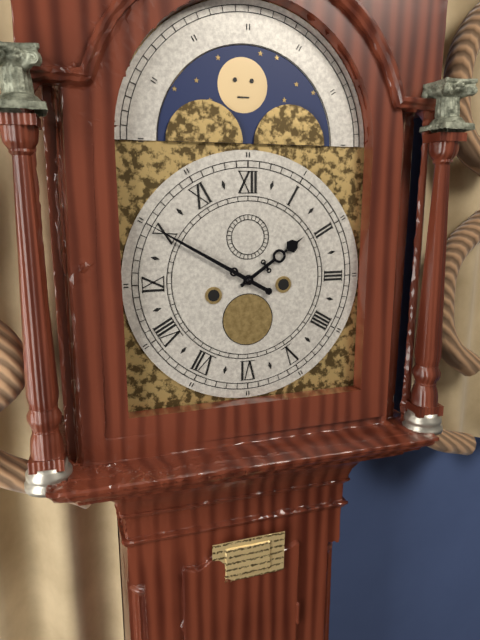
1:50
